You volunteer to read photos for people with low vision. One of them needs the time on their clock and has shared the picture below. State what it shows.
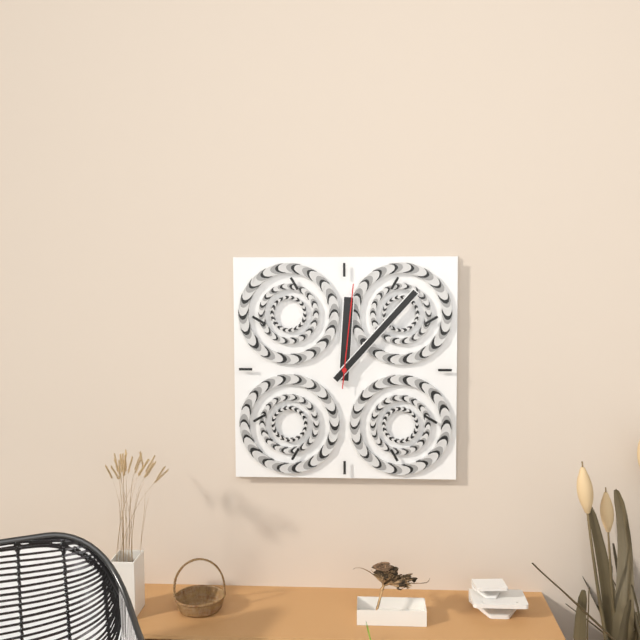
12:07:01
